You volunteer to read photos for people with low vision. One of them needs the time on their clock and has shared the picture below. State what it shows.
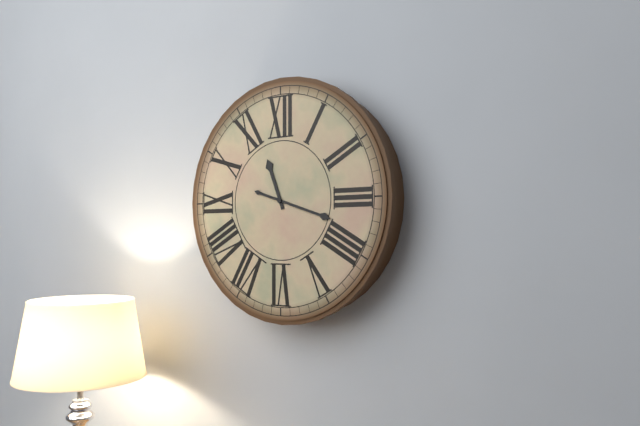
11:18
